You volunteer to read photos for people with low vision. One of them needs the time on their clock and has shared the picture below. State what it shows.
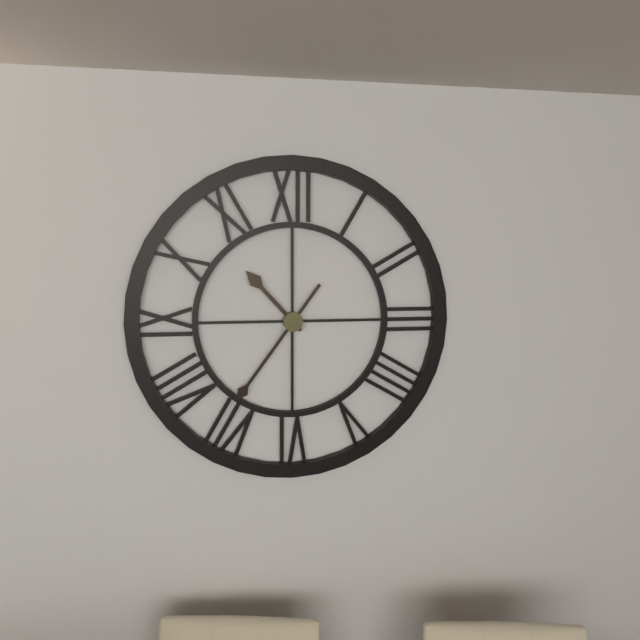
10:36
